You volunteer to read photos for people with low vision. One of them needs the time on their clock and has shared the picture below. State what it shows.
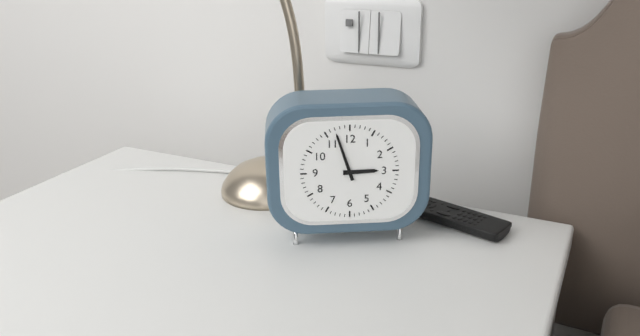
2:57
